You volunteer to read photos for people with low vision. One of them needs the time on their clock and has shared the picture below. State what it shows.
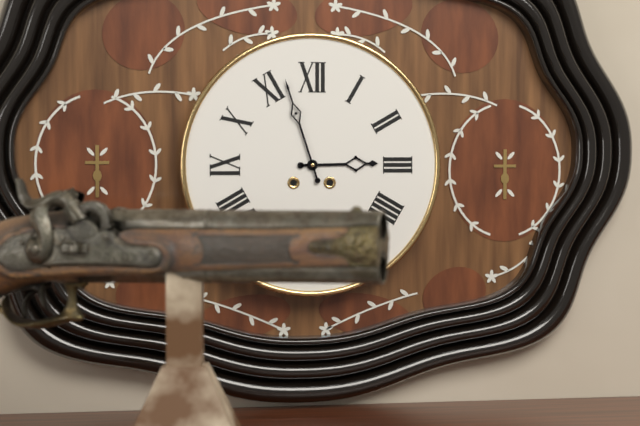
2:57
